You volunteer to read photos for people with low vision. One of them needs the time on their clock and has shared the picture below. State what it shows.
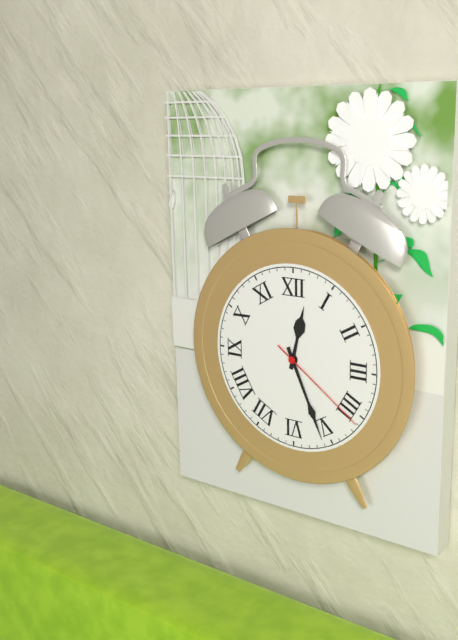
12:26:21
